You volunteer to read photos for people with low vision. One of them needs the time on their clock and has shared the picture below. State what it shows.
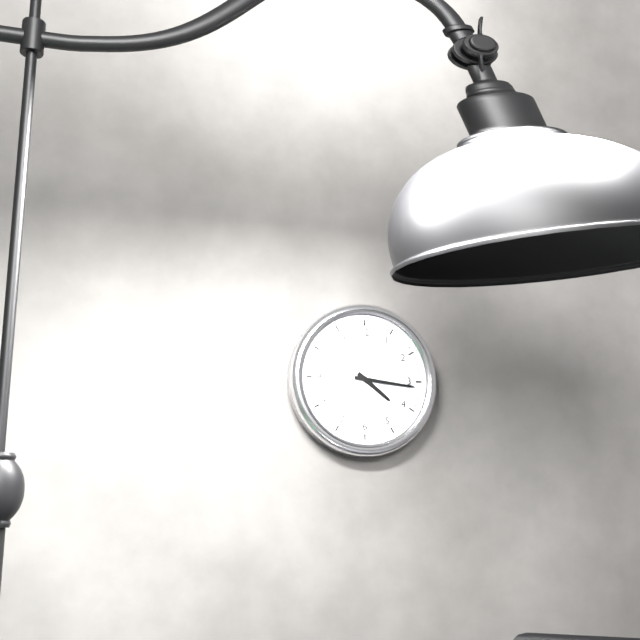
4:16
